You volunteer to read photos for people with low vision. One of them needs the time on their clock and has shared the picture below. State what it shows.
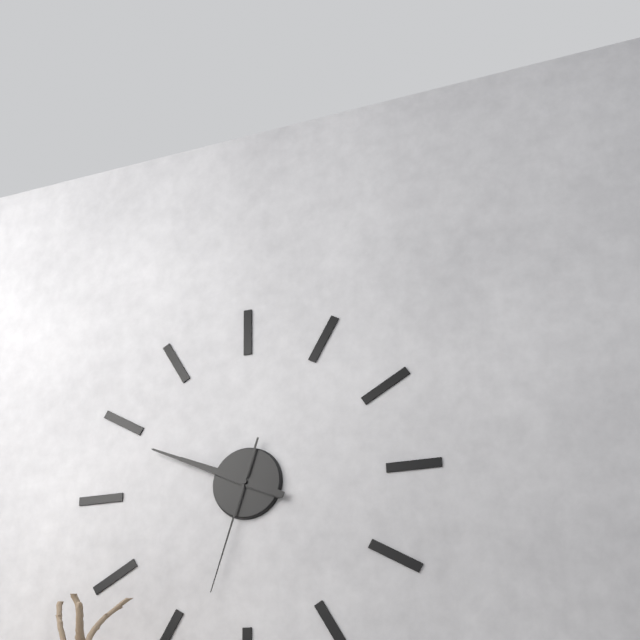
9:49:33
